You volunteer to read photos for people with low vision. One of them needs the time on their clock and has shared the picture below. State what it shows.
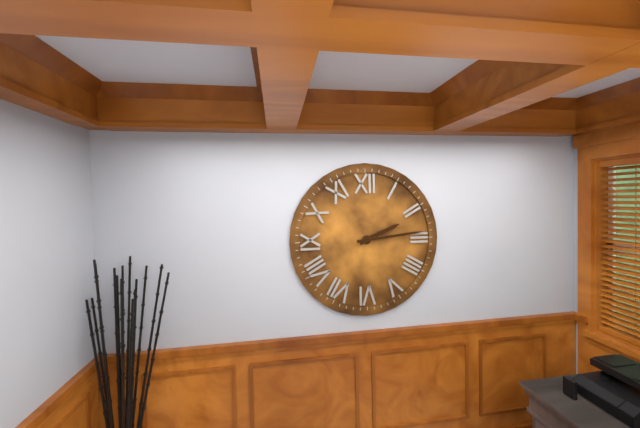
2:14
